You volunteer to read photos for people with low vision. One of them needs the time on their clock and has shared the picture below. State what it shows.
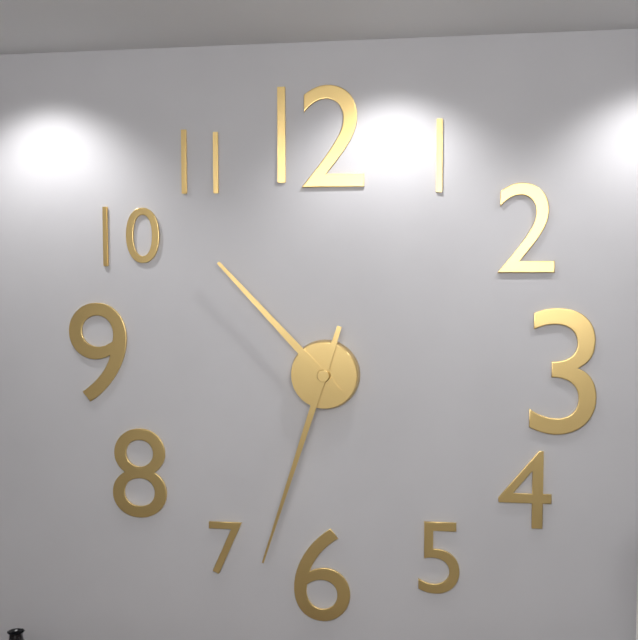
10:33
